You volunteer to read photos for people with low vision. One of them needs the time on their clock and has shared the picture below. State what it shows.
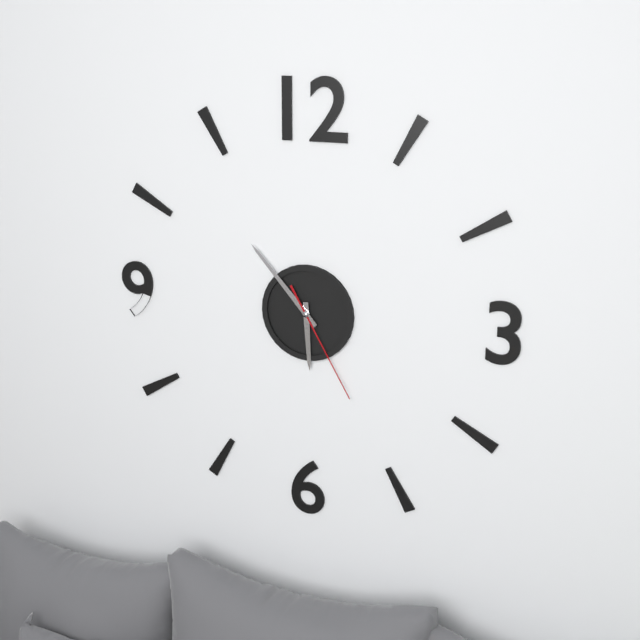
5:53:25
